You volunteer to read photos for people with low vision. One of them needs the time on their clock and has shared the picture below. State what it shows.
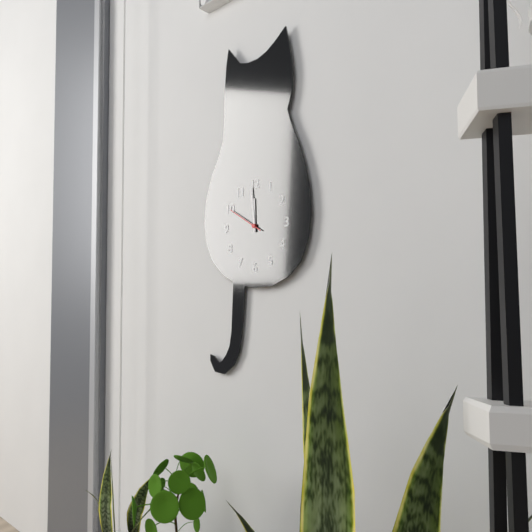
11:59
